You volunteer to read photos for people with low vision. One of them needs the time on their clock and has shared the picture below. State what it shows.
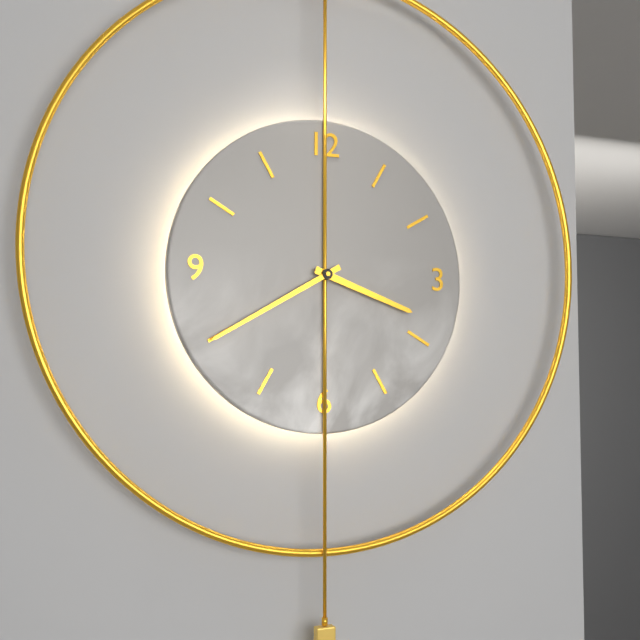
3:40
